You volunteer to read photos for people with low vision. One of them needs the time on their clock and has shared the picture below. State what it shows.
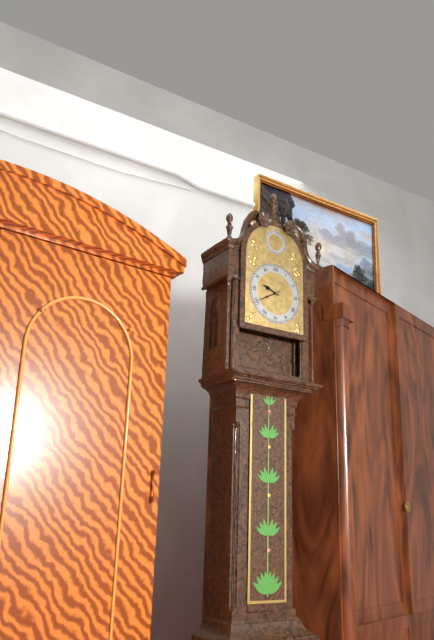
9:40
